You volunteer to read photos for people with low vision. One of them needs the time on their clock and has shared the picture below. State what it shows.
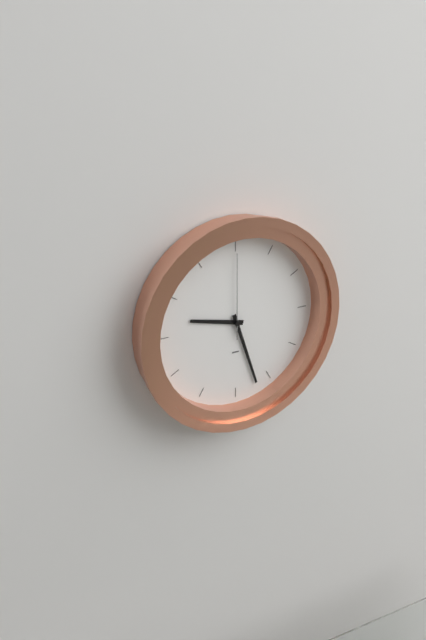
9:27:00
